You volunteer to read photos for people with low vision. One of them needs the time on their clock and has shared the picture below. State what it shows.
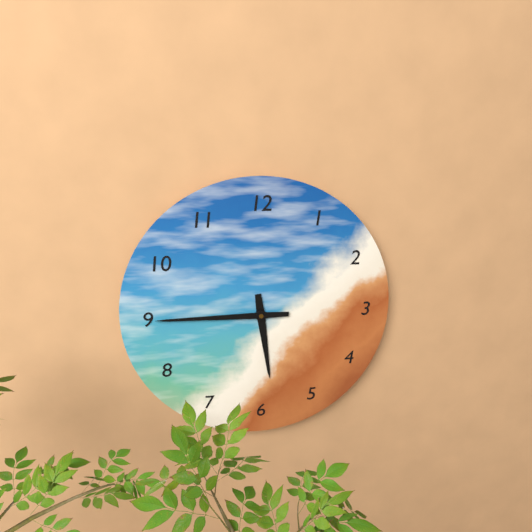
5:45
